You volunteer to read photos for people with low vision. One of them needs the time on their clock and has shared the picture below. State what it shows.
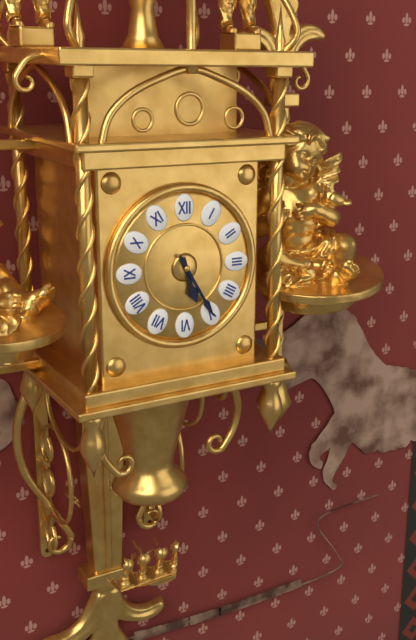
5:25
